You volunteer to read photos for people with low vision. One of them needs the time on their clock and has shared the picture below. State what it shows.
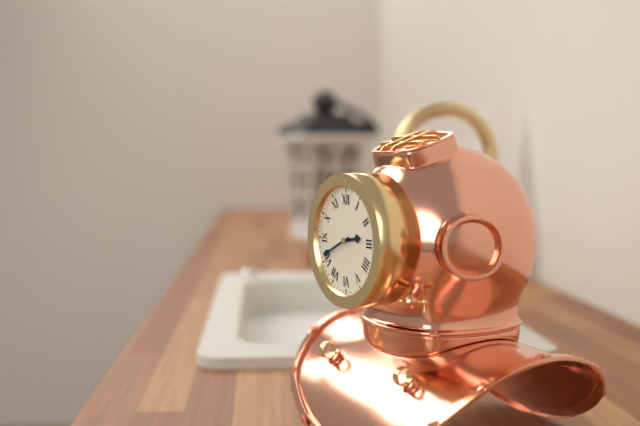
2:41
